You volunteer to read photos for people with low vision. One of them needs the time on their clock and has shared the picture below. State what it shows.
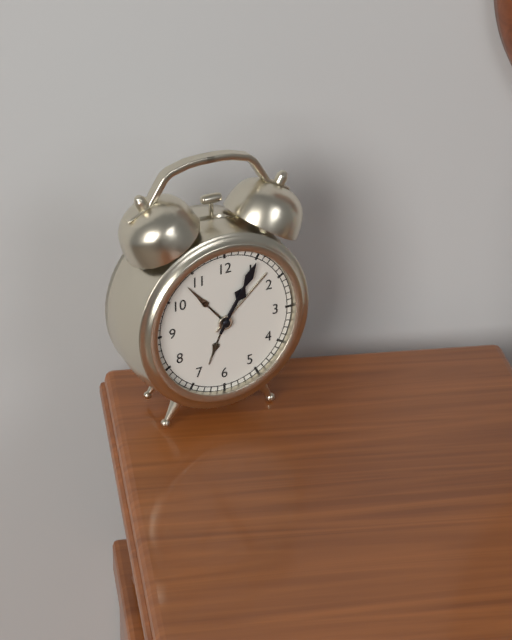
1:05
